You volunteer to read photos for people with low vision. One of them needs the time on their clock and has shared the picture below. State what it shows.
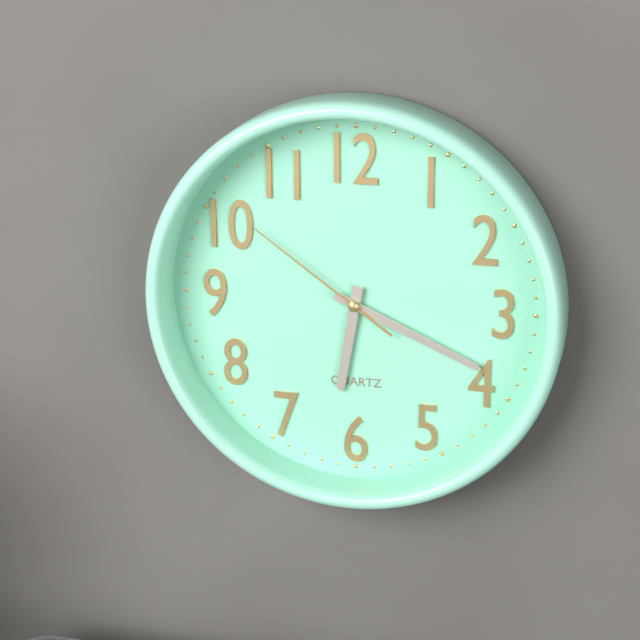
6:19:51
